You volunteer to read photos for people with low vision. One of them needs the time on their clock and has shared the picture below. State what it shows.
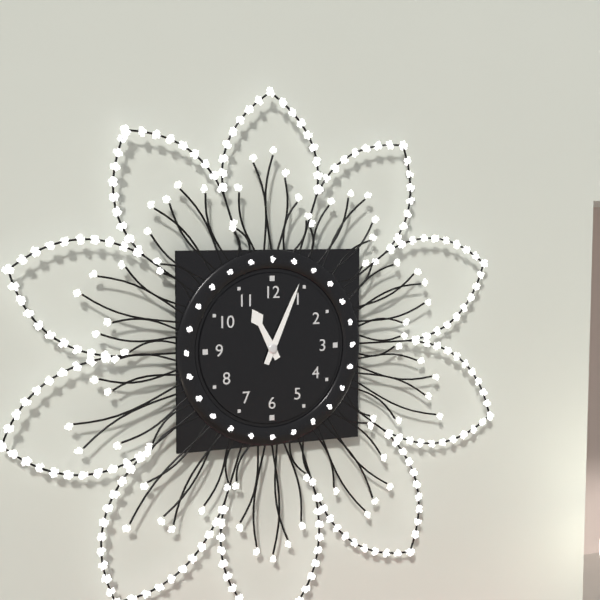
11:04
